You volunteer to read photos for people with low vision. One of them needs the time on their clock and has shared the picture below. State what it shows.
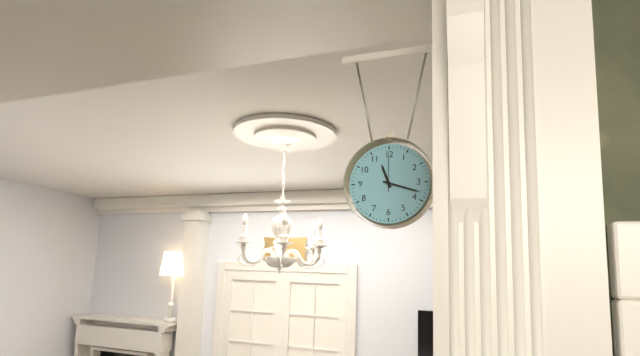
11:18
